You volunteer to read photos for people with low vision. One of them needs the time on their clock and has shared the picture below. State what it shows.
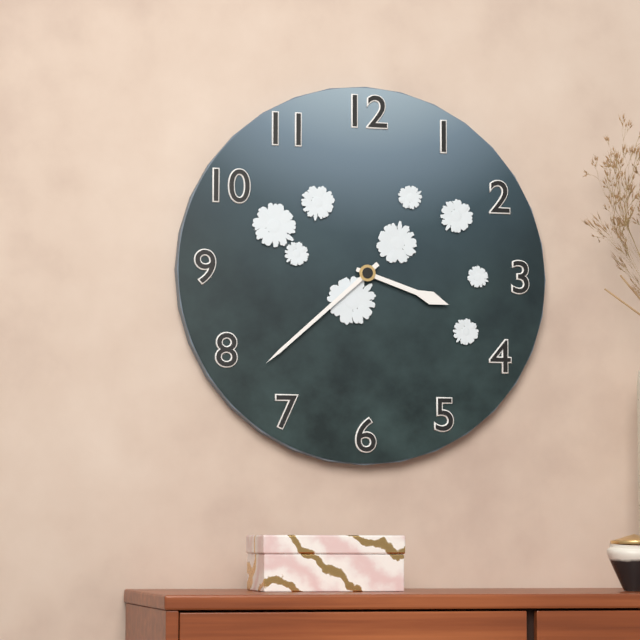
3:38
